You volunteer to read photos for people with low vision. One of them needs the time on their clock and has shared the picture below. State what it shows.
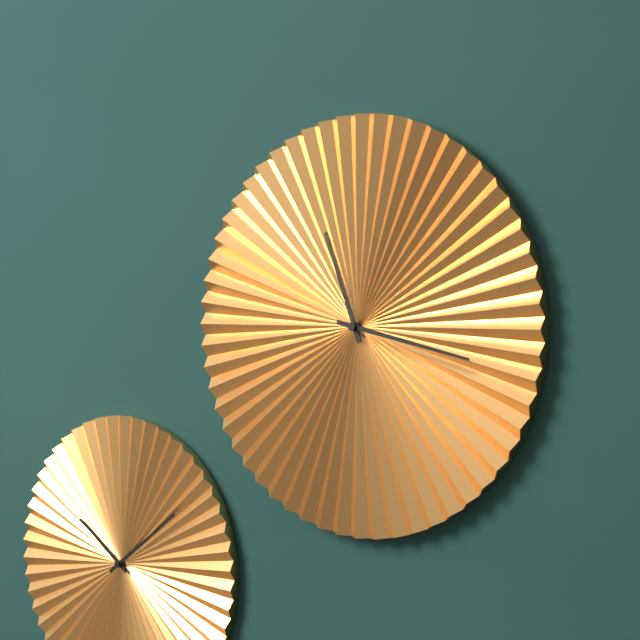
11:17
